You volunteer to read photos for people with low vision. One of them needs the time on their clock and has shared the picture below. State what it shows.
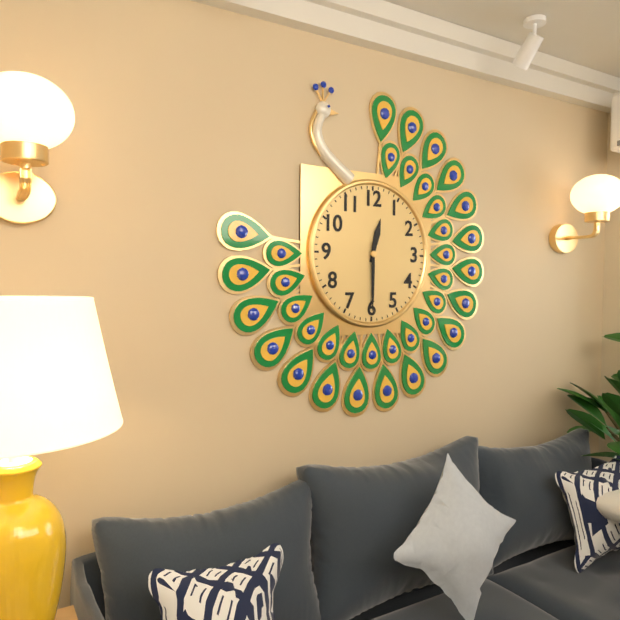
12:30
